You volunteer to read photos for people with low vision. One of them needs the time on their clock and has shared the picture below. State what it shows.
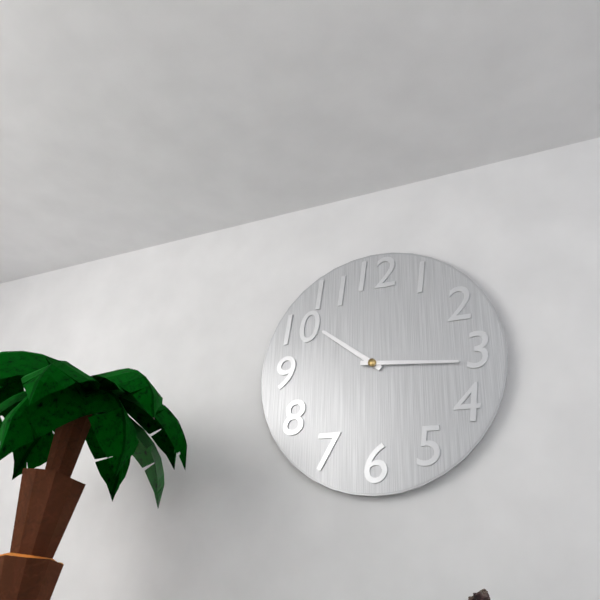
10:16
